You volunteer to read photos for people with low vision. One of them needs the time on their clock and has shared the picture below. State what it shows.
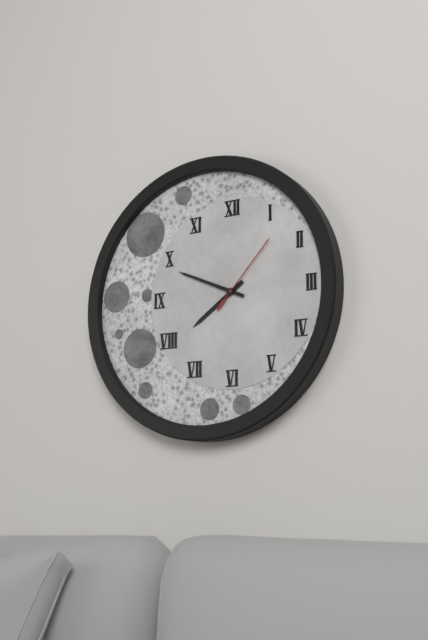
7:49:07
